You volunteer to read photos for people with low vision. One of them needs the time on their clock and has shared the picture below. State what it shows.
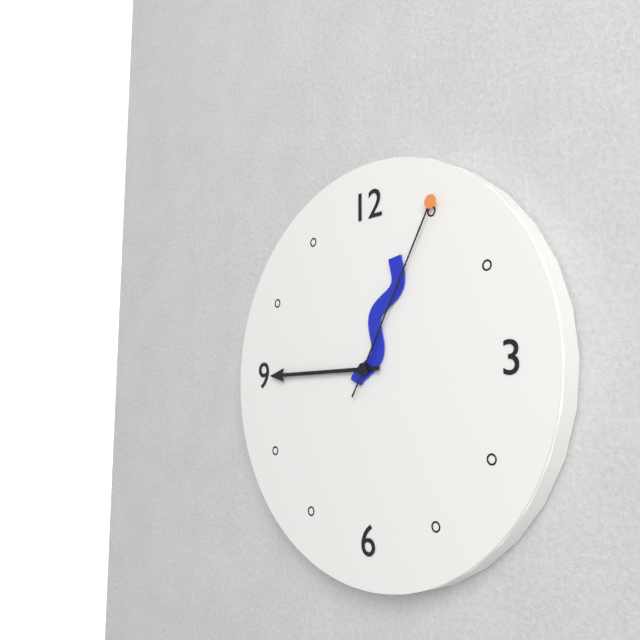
12:45:05
